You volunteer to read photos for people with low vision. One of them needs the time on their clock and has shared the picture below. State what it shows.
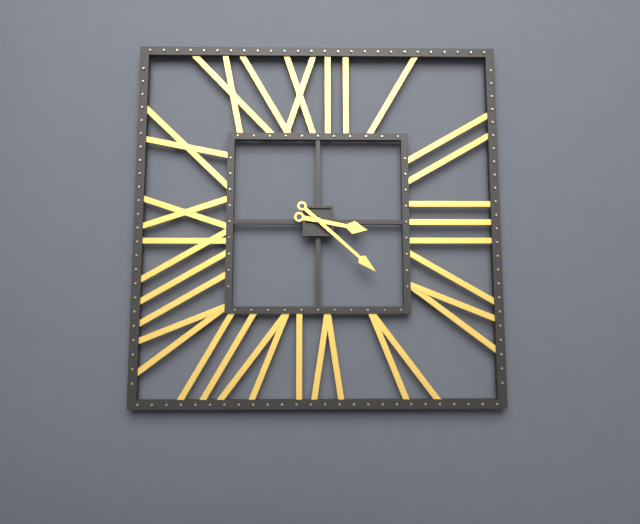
3:22
